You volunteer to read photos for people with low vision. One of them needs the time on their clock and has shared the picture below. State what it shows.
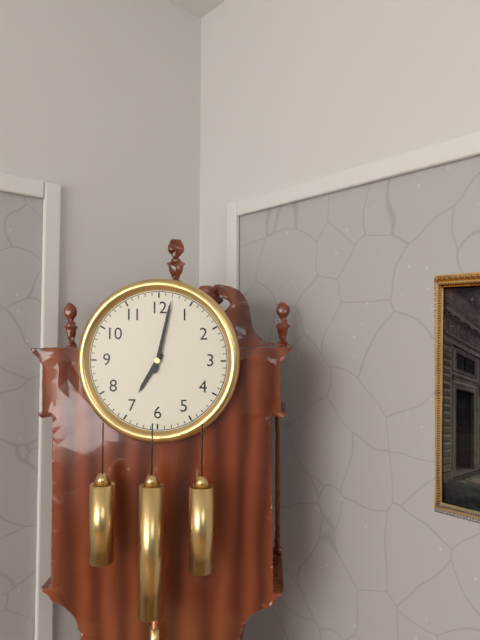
7:02
